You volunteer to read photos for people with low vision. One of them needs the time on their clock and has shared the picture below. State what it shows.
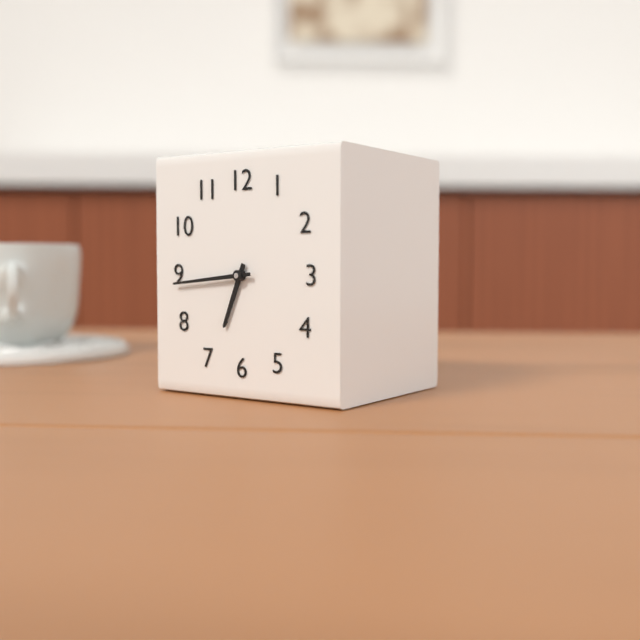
6:44
